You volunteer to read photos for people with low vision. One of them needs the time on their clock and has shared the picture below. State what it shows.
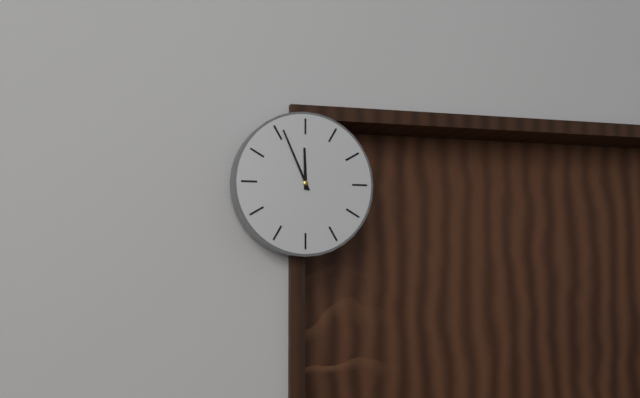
11:56
